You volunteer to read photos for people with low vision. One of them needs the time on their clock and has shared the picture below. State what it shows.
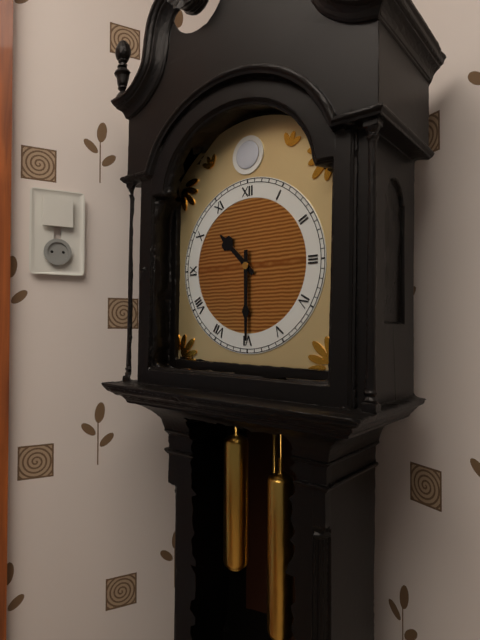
10:30
